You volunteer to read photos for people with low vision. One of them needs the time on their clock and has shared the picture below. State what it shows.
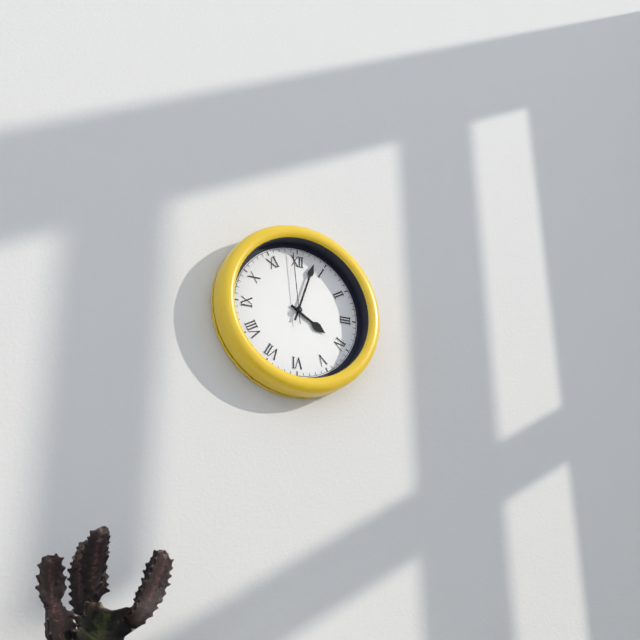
4:03:59
